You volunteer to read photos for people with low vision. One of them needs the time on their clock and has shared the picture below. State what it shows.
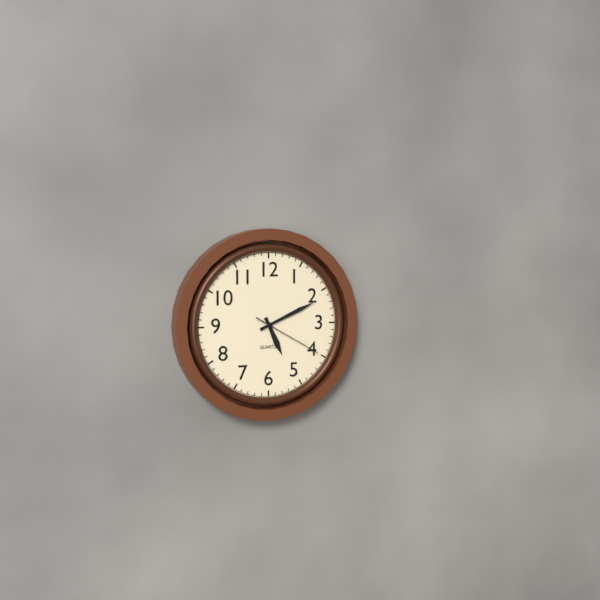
5:11:20
